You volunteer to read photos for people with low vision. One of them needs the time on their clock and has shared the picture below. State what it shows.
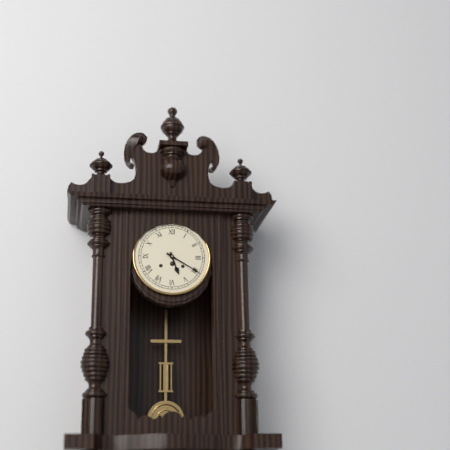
5:20
